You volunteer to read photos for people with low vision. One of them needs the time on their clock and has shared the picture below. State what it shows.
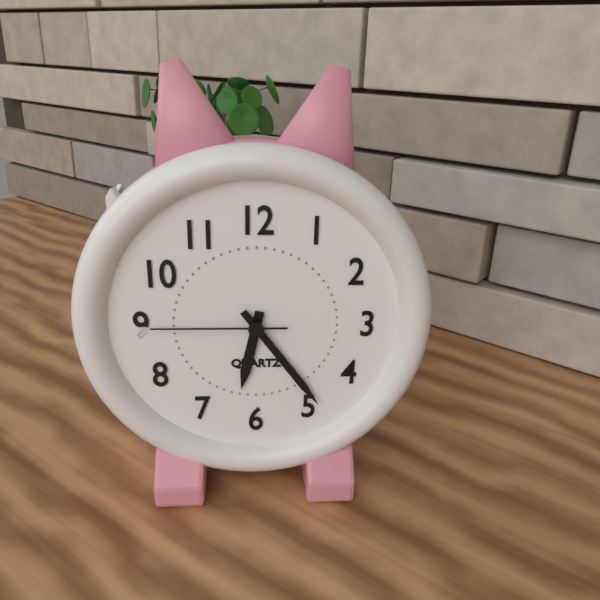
6:24:45
